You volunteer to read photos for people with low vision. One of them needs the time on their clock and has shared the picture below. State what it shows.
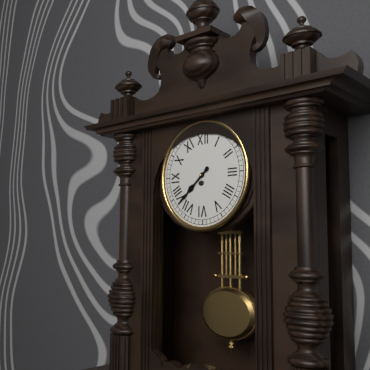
7:38
